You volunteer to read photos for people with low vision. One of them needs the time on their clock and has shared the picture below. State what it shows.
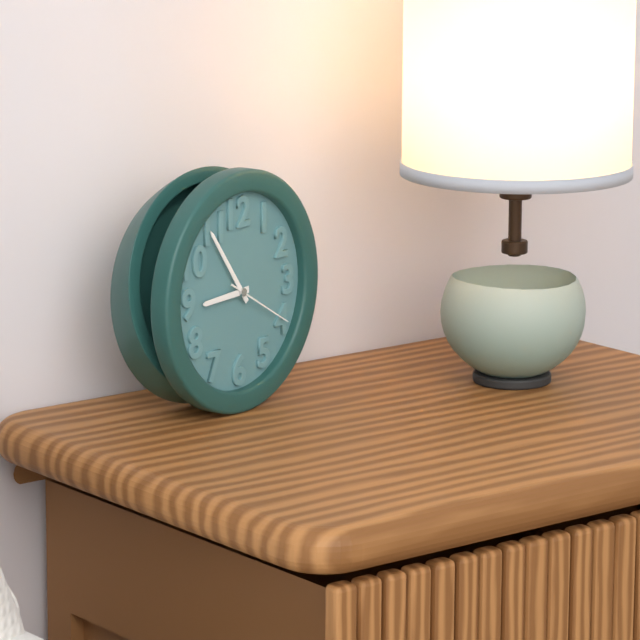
8:54:20
